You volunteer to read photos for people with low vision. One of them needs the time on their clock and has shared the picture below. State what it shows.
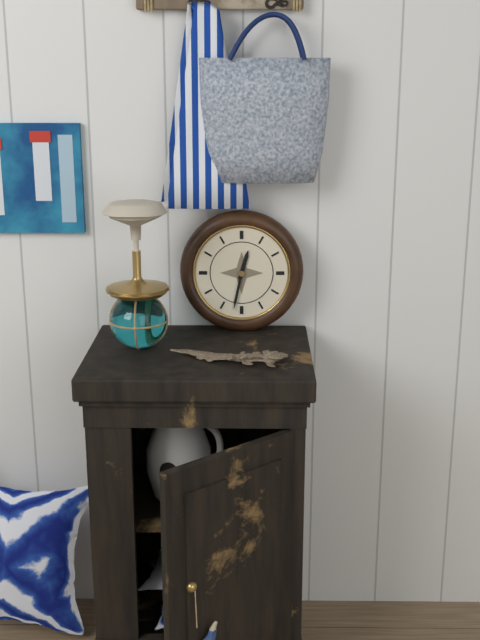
12:32
